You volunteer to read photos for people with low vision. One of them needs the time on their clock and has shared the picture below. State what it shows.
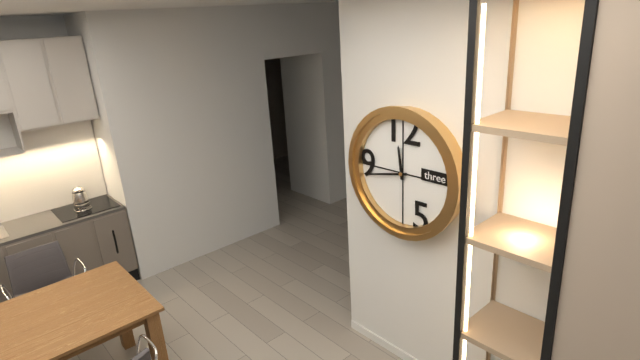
11:43
